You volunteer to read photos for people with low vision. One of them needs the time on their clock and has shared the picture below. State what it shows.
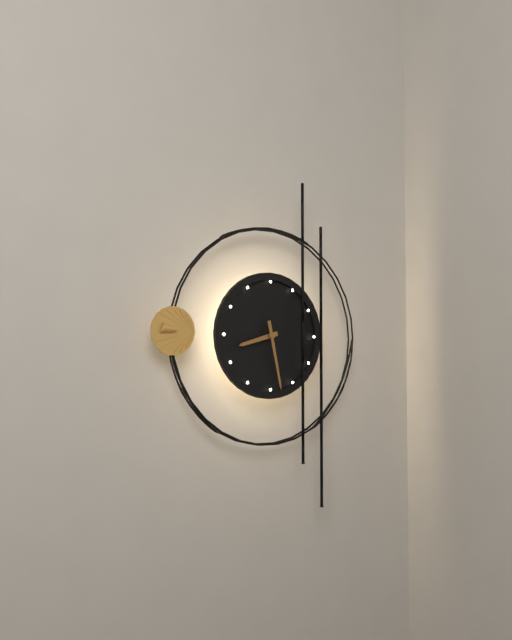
8:28
